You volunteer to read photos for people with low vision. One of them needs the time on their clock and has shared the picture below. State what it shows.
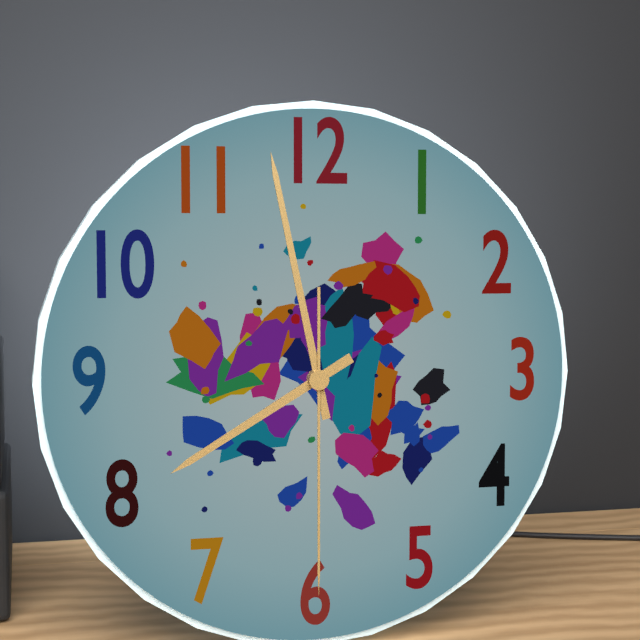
7:58:30
